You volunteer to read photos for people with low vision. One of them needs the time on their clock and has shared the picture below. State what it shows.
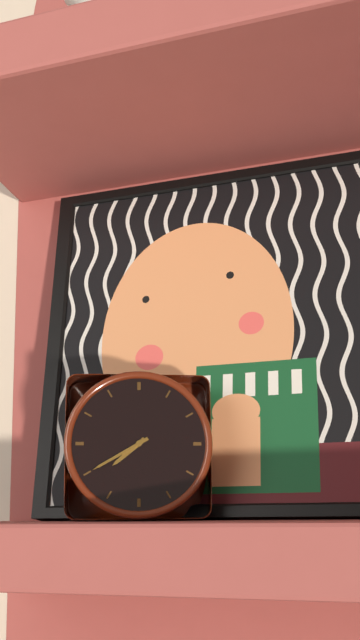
7:40
